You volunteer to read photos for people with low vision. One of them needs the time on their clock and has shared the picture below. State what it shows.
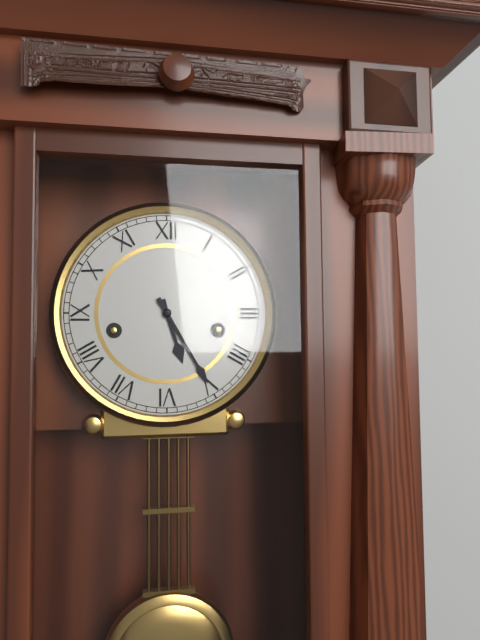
5:25
